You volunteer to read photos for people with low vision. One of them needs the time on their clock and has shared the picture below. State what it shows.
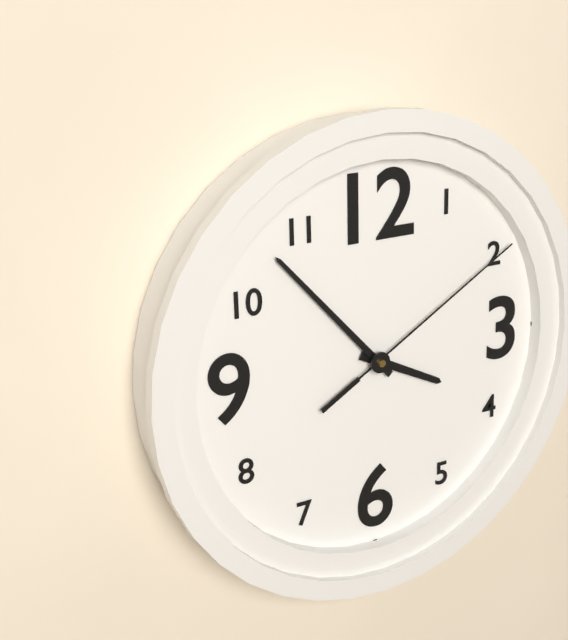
3:53:10
